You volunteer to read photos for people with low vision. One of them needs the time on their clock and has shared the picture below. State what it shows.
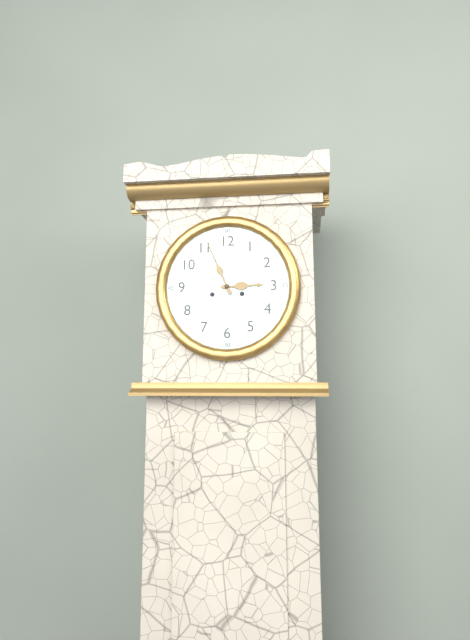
2:56
